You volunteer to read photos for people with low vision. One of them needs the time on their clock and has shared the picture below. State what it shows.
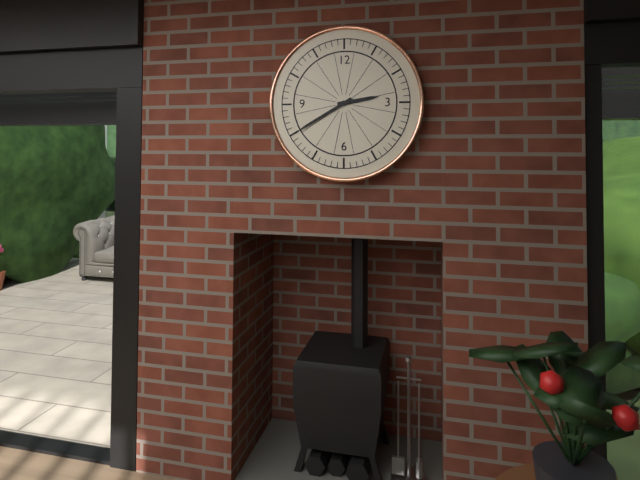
2:40
